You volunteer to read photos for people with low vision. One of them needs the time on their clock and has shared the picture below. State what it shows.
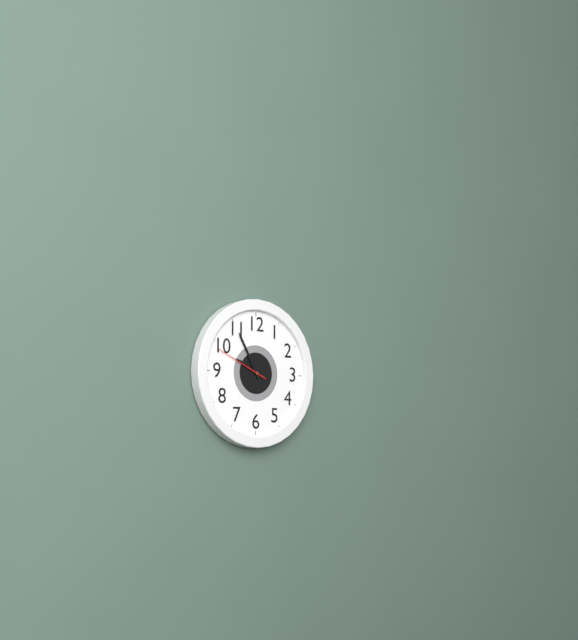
9:55:49
